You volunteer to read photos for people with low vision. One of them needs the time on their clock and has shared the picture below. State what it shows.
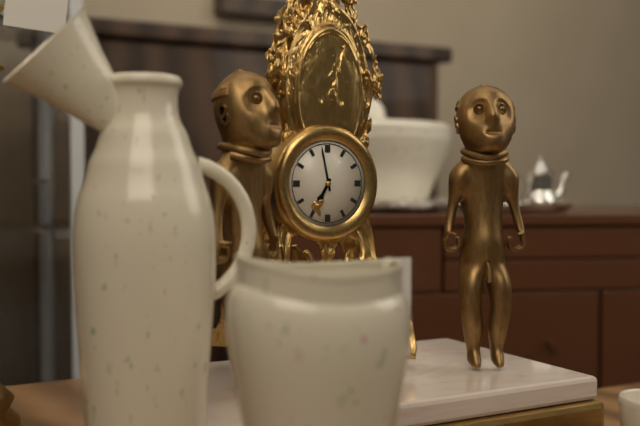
6:58
